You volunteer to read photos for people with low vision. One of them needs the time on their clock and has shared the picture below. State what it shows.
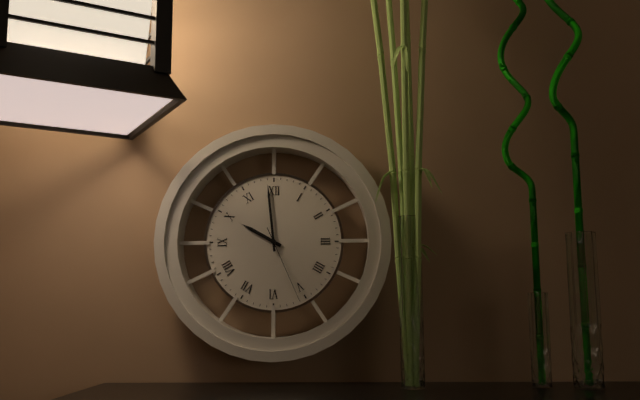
9:59:26
